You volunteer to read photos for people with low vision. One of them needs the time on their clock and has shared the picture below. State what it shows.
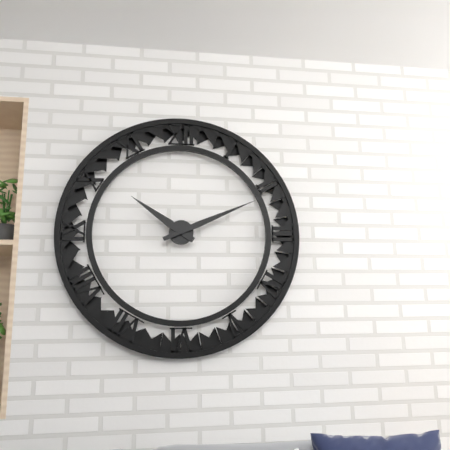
10:11
